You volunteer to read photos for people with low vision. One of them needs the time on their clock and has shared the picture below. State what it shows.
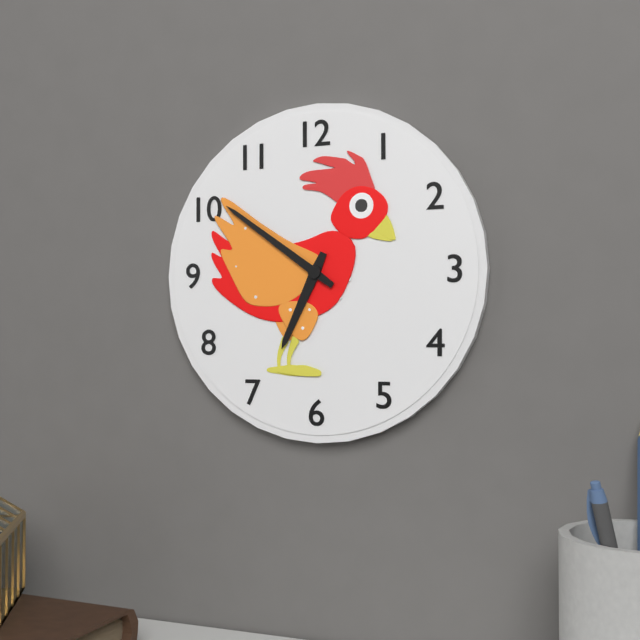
6:51
